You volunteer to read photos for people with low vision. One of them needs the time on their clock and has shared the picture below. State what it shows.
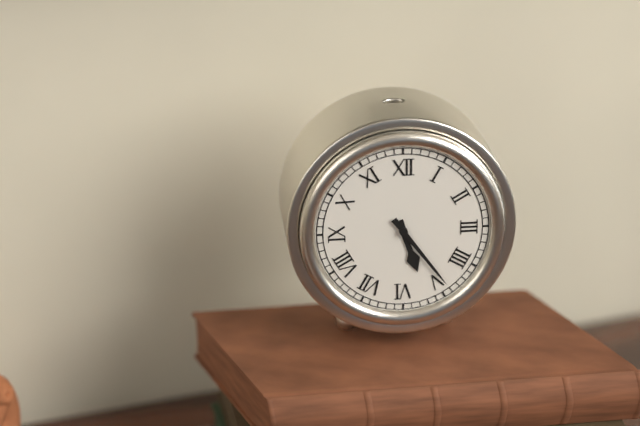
5:24
